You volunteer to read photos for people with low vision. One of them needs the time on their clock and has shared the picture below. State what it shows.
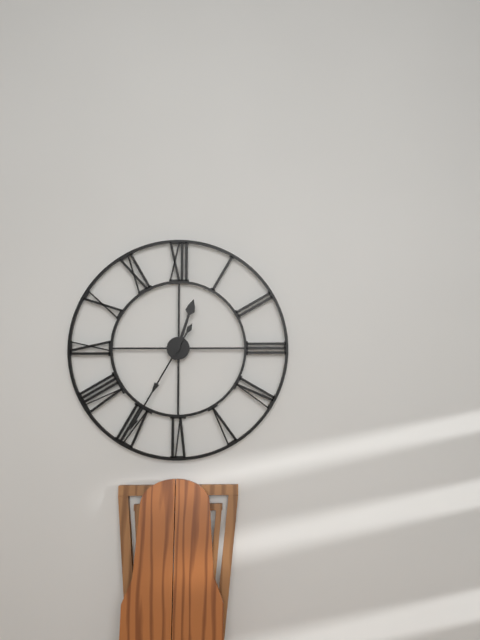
12:35
